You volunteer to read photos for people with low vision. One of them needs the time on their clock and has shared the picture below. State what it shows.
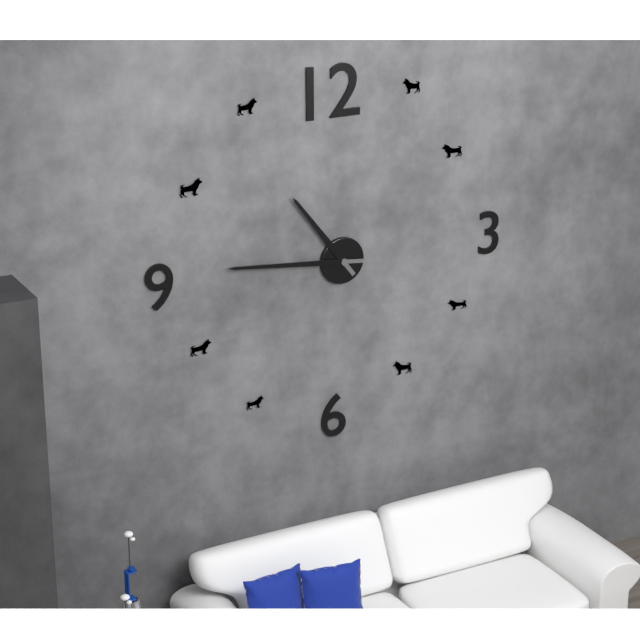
10:46
